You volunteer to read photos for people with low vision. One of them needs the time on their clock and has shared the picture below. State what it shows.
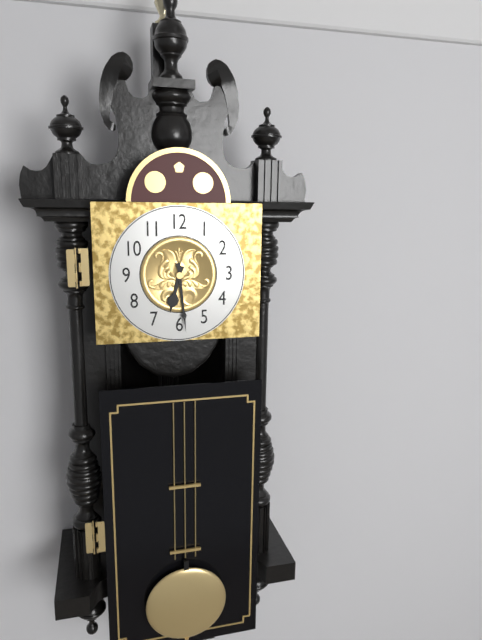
6:29
